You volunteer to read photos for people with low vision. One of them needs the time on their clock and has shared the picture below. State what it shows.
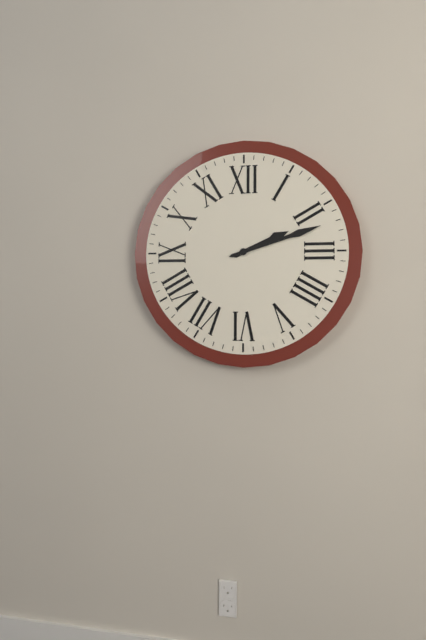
2:12
